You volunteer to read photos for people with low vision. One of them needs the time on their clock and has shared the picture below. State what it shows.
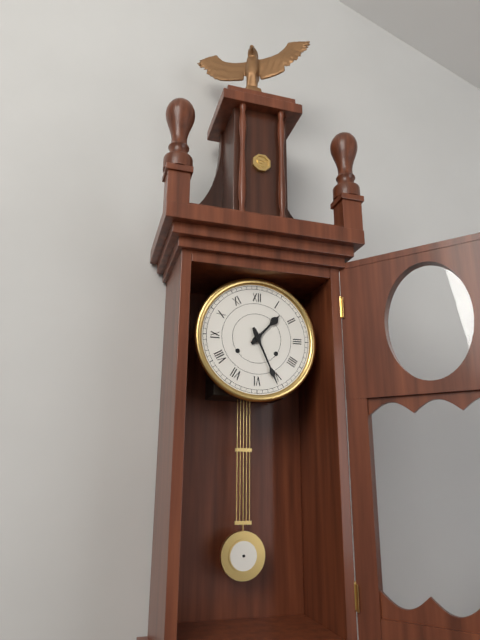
1:26
